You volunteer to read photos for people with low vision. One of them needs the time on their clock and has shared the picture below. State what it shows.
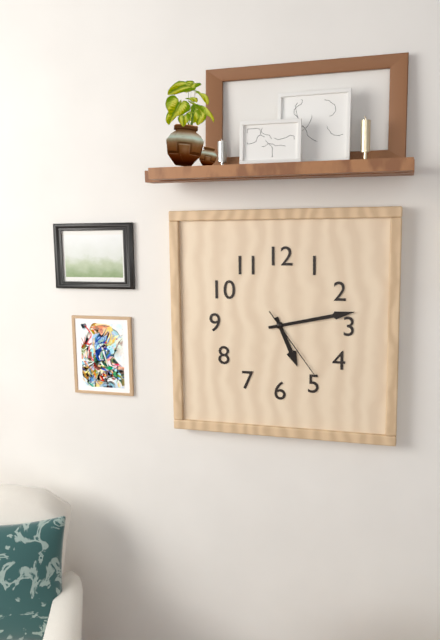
5:13:24
